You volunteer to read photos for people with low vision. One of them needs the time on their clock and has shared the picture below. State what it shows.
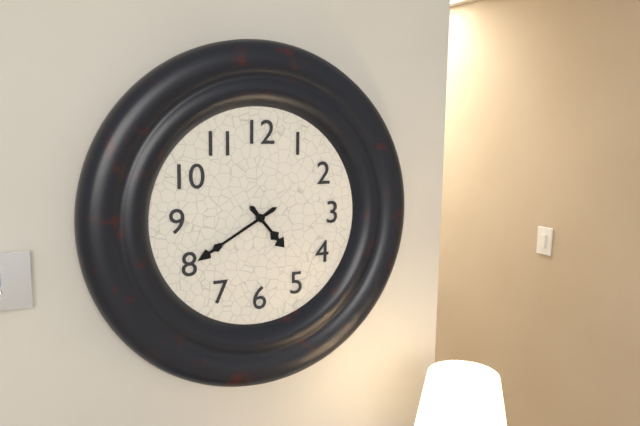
4:40
